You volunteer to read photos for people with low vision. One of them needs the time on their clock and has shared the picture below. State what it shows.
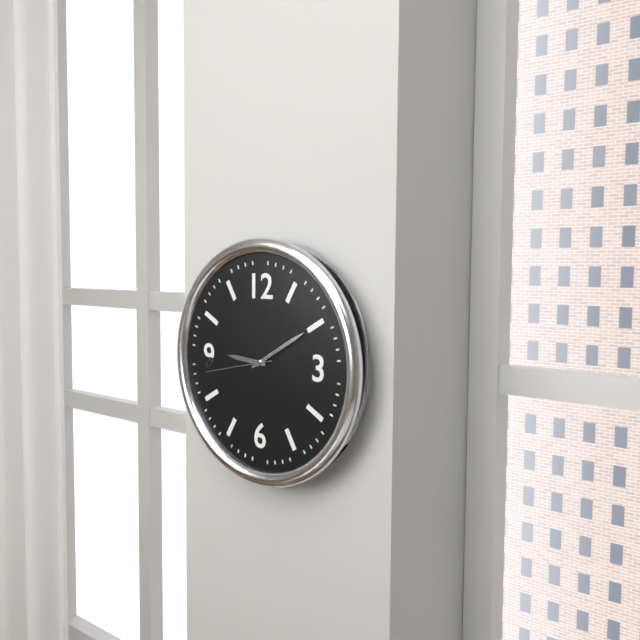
9:10:43
